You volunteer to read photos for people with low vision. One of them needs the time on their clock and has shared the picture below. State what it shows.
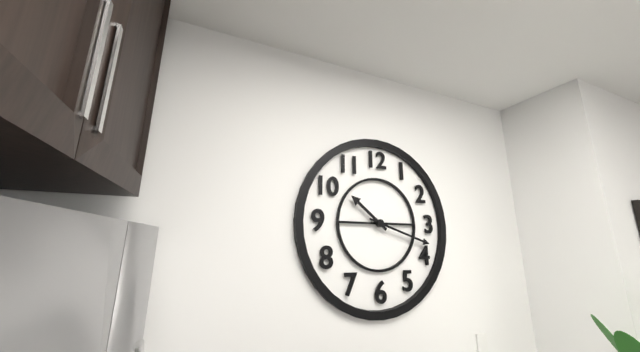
10:18
